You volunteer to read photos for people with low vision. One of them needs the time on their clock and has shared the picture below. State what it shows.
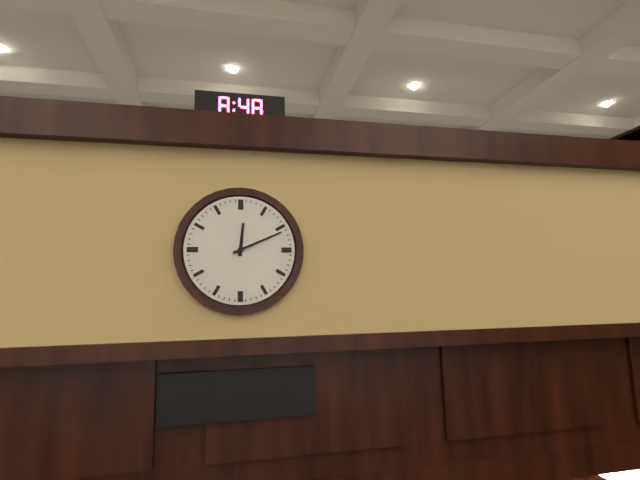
12:11
